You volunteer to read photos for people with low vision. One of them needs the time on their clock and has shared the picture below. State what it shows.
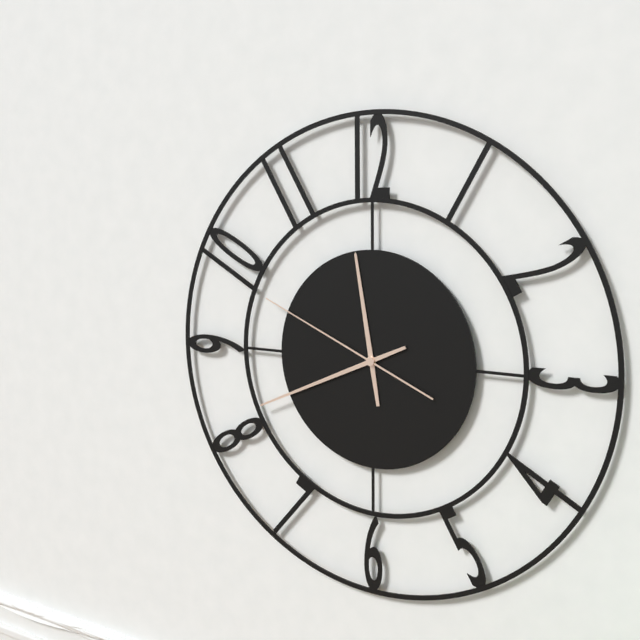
11:41:49
